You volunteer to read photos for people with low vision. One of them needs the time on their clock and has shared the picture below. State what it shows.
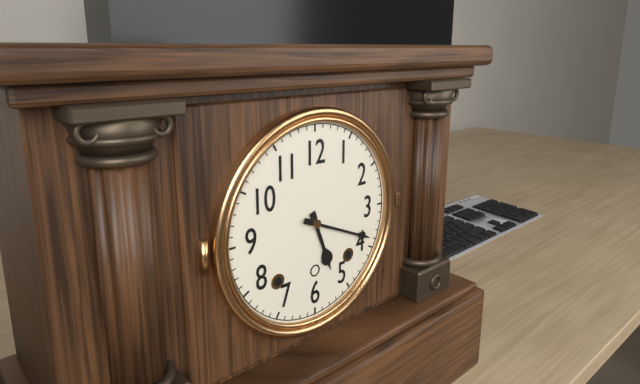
5:19
